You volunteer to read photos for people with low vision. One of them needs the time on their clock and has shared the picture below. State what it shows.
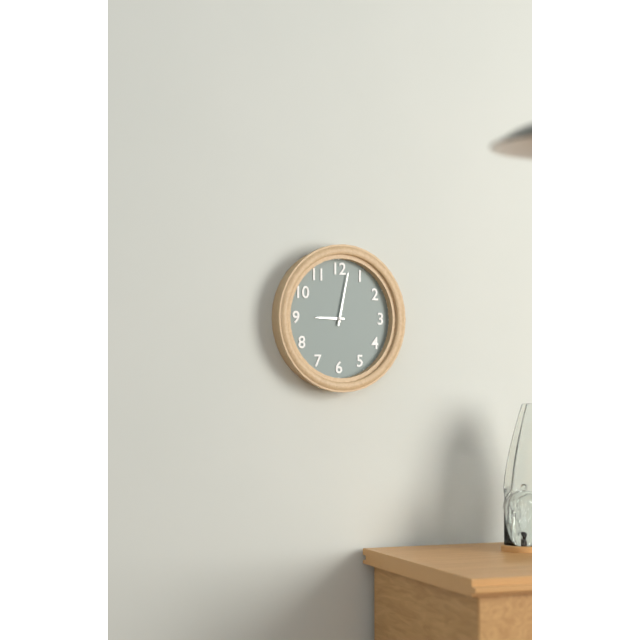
9:02
